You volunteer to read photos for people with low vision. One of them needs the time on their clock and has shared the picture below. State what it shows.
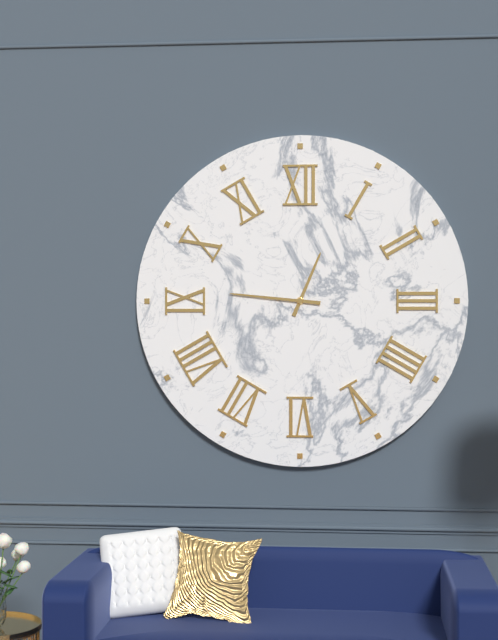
12:46
